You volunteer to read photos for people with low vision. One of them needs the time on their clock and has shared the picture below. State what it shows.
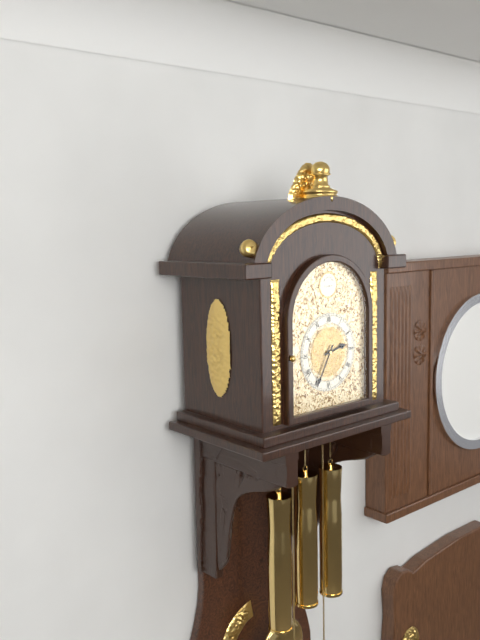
2:35
